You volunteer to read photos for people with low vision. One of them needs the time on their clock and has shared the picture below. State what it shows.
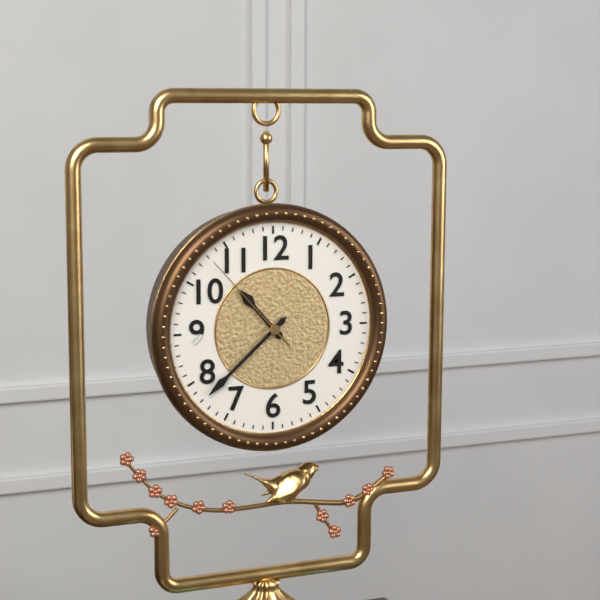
10:38:53
